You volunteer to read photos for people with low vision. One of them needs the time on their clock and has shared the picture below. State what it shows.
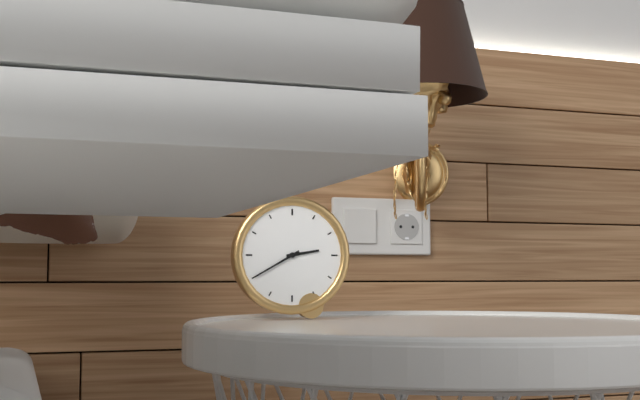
2:40
